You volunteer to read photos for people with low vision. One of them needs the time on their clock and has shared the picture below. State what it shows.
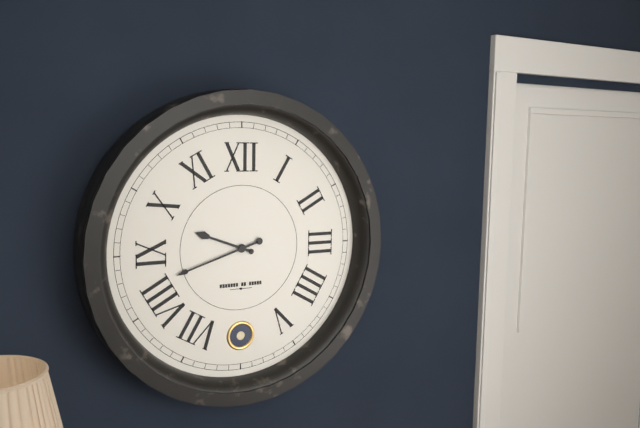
9:42
